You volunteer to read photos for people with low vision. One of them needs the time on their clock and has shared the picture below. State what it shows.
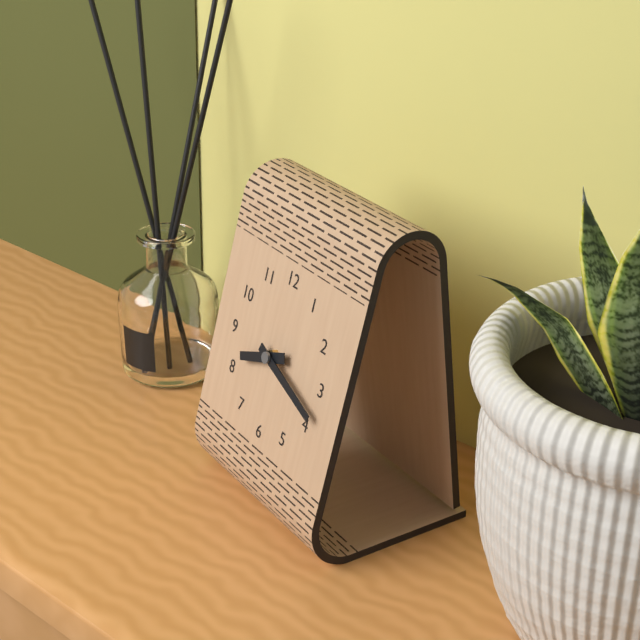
8:18
